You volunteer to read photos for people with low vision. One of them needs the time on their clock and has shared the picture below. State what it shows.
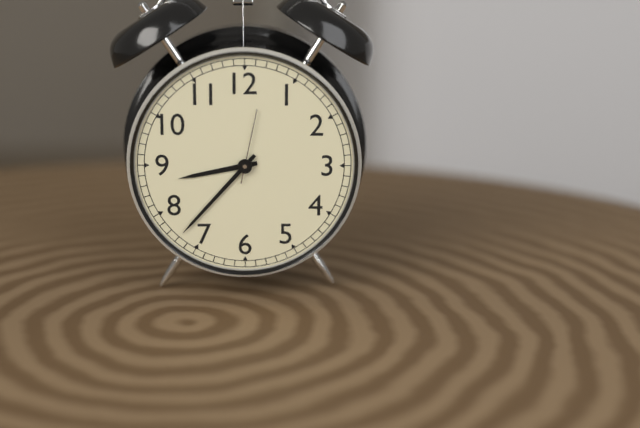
8:37:02
